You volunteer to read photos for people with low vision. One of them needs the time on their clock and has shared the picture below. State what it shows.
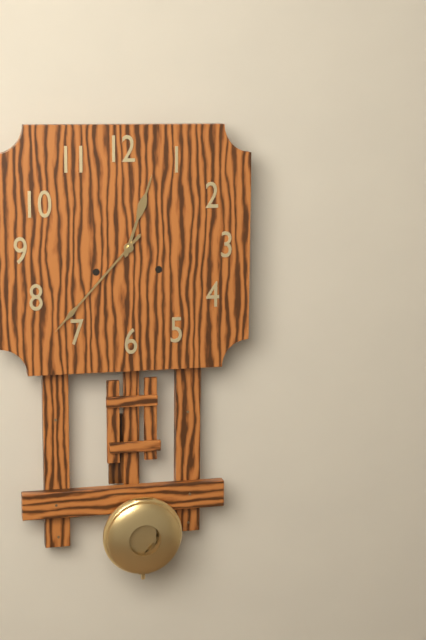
12:37
